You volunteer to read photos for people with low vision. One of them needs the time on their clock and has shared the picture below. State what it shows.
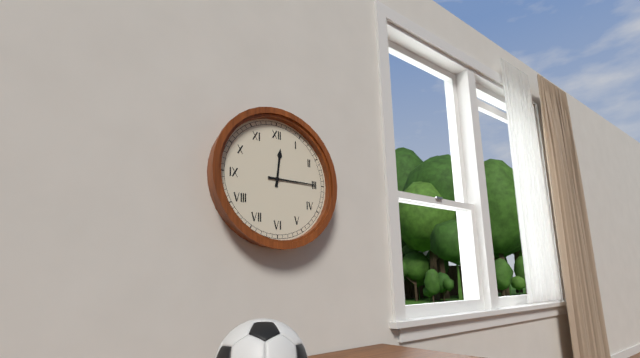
12:15
